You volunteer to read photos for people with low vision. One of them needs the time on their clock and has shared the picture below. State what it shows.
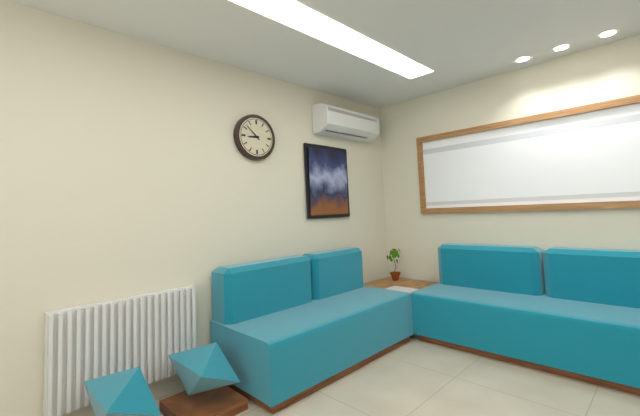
8:52
